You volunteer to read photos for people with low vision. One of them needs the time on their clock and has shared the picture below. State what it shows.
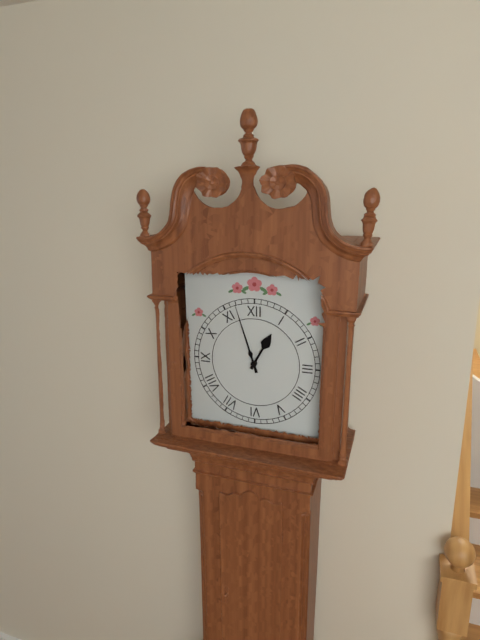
12:57
